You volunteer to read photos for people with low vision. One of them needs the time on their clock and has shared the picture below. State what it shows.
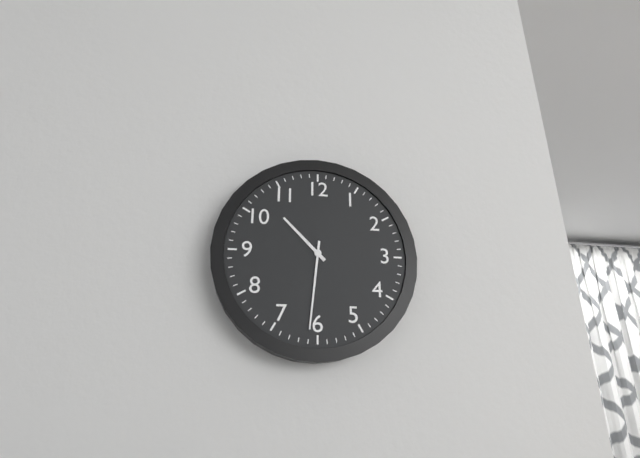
10:31
